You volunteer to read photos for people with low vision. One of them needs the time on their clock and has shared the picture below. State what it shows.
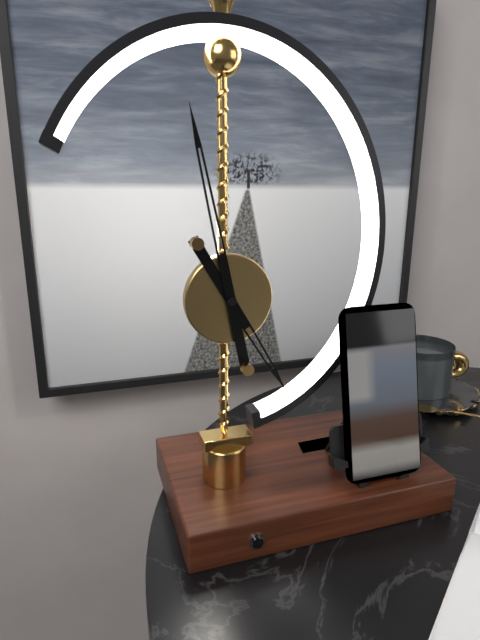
4:58
